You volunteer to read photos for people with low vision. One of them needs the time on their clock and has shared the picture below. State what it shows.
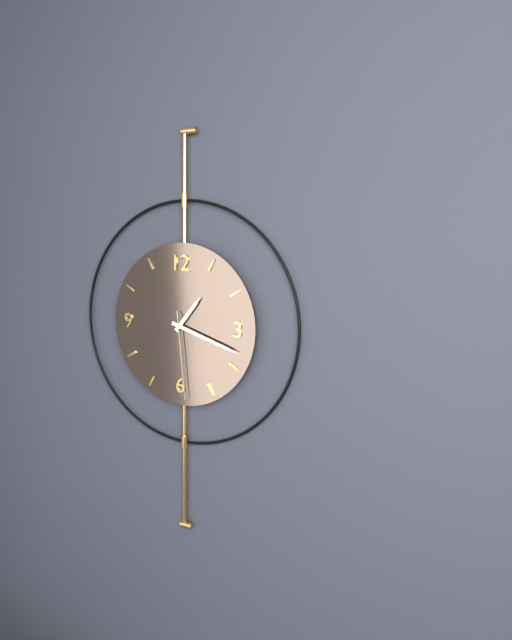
1:18:29
